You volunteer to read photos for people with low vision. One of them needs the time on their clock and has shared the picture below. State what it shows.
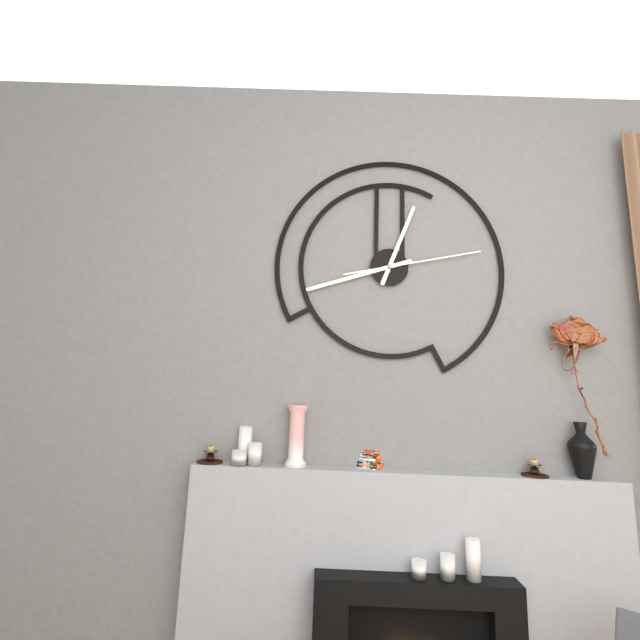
12:42:13
